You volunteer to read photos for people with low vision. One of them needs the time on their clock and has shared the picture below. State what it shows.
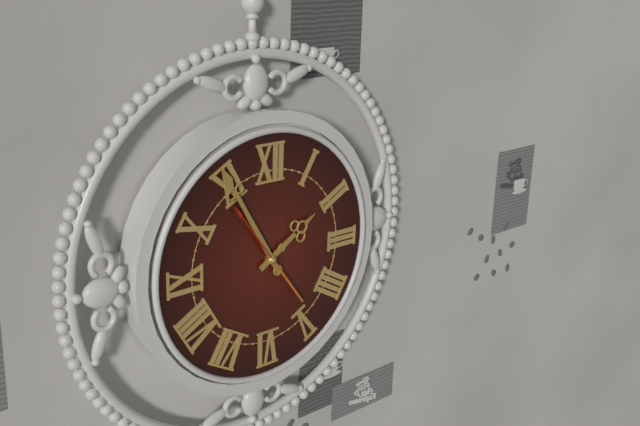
1:55
